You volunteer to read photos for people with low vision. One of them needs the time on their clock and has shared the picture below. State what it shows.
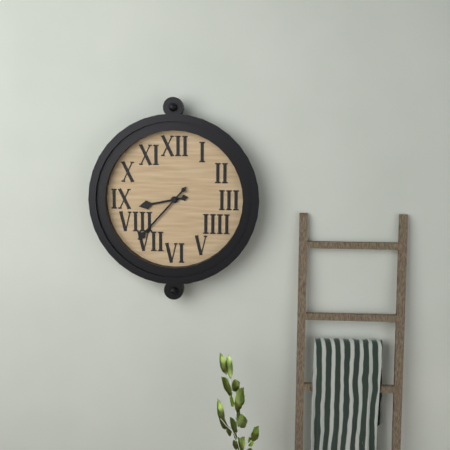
8:37
